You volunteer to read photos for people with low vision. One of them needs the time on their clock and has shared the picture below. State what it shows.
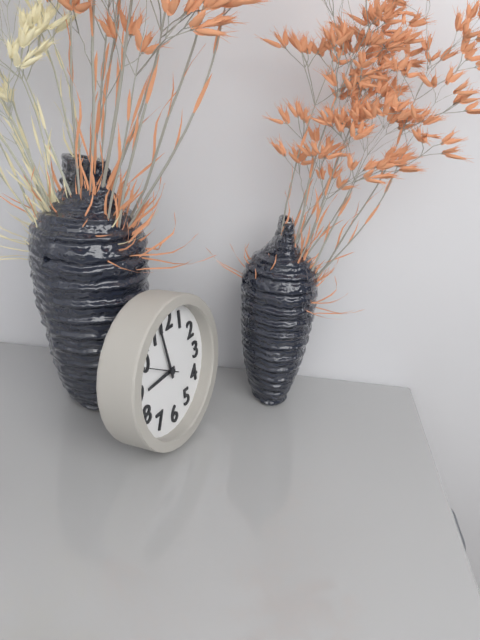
8:58
